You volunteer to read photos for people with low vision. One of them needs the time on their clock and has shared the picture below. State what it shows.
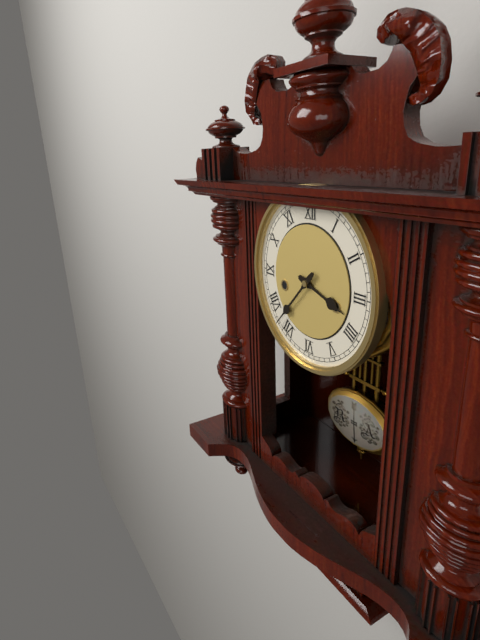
3:37
